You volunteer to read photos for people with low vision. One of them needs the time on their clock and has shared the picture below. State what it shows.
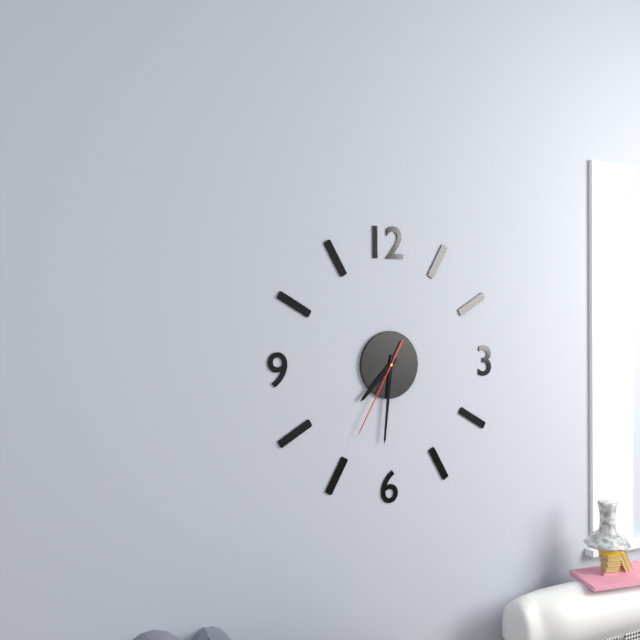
7:31:35
